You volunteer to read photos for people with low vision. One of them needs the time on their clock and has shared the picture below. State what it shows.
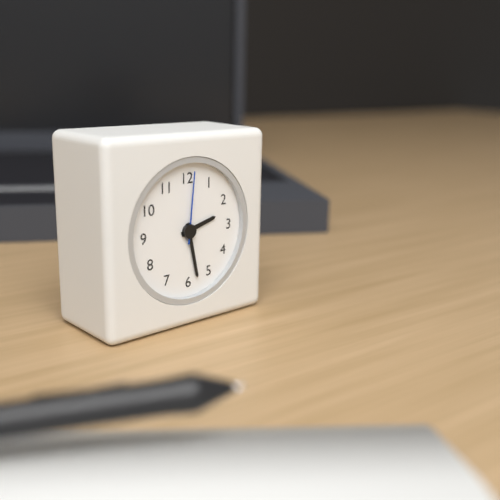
2:28:01
